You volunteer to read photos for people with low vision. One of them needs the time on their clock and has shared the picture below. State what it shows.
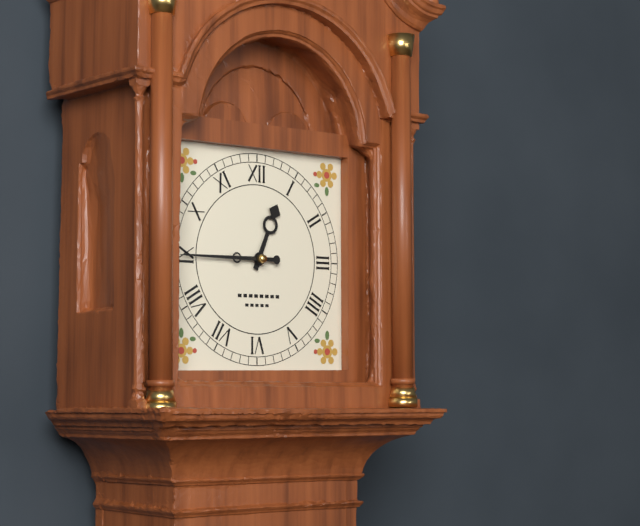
12:45
